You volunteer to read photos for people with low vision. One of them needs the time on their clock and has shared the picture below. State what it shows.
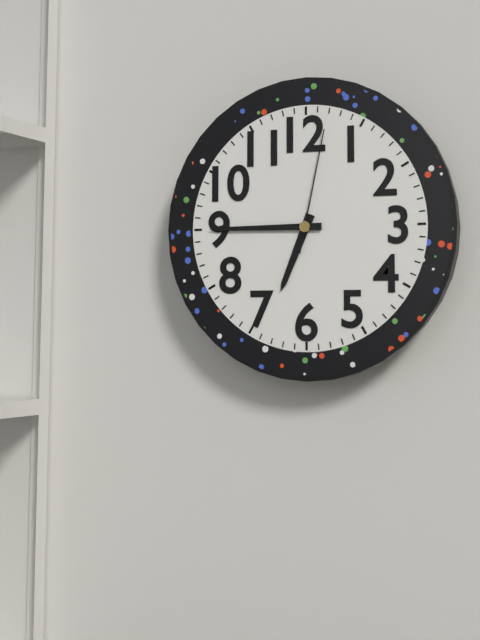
6:45:02
